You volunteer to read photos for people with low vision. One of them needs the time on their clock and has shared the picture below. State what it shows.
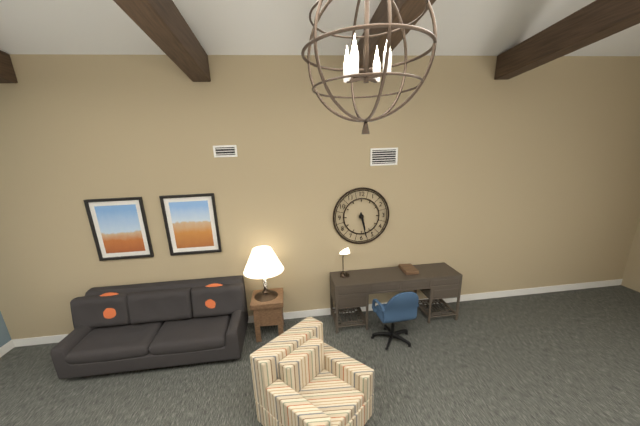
5:28
